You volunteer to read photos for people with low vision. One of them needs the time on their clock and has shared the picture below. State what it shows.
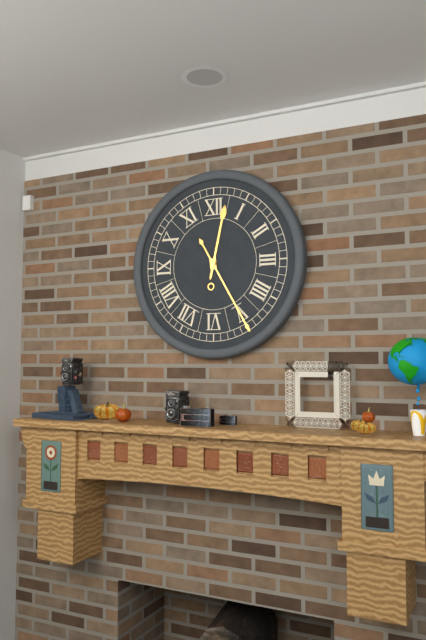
12:25
